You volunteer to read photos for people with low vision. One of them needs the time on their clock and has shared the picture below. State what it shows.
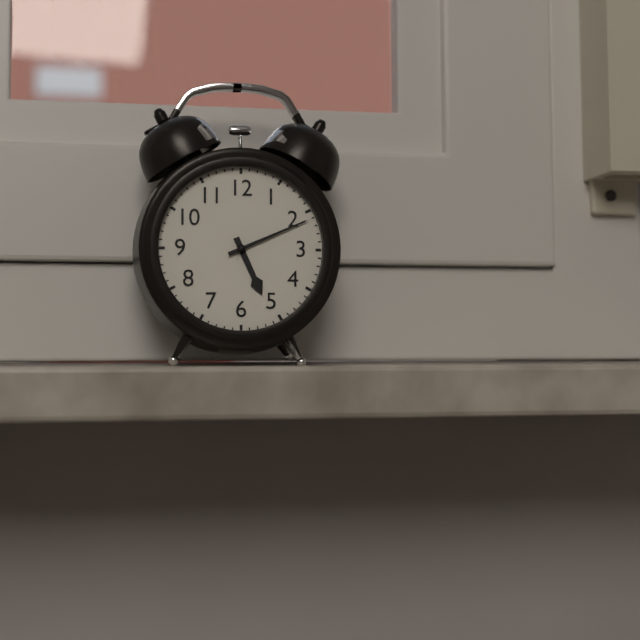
5:11
